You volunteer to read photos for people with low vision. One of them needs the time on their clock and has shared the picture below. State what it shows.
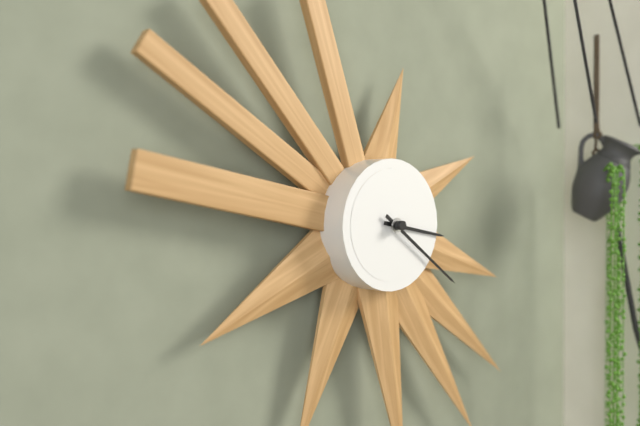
3:21
